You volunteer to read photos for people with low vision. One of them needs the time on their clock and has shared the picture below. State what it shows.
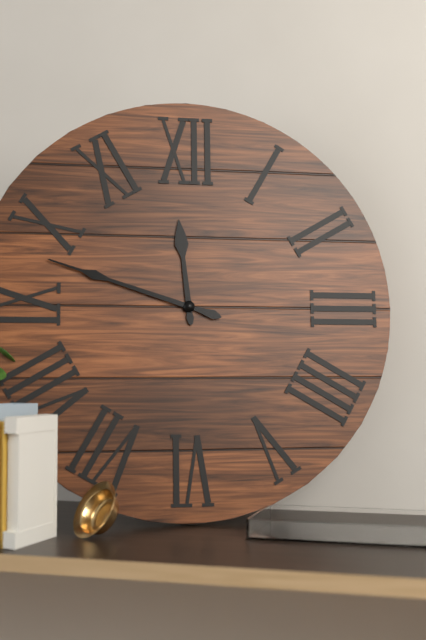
11:48
